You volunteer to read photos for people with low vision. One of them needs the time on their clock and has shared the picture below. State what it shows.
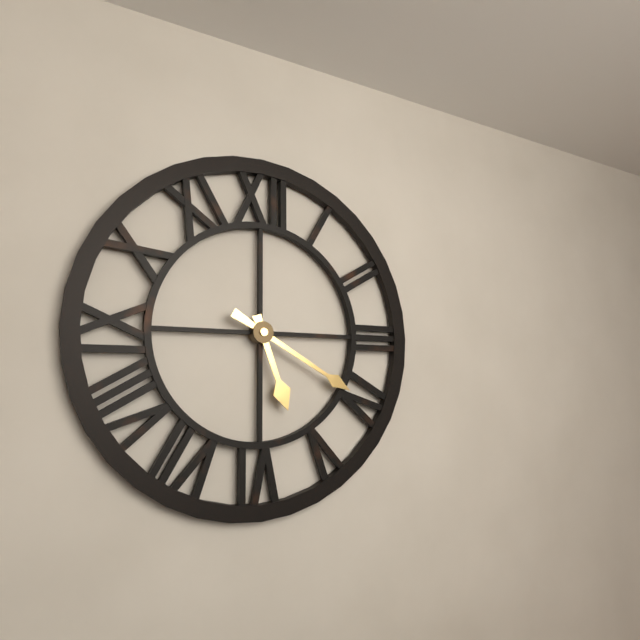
5:20
